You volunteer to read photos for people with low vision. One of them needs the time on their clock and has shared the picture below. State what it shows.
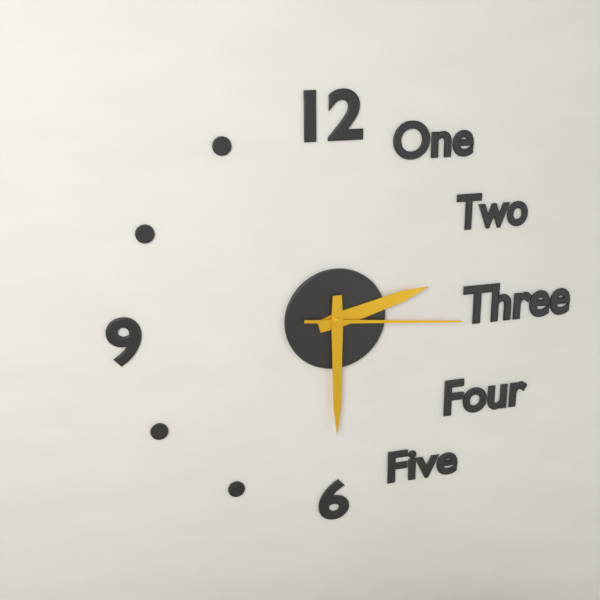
2:30:16
